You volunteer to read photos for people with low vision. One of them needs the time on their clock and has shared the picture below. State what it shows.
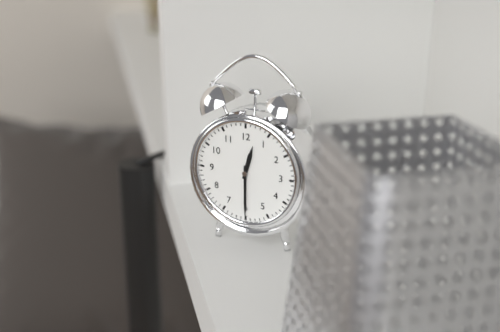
12:30
